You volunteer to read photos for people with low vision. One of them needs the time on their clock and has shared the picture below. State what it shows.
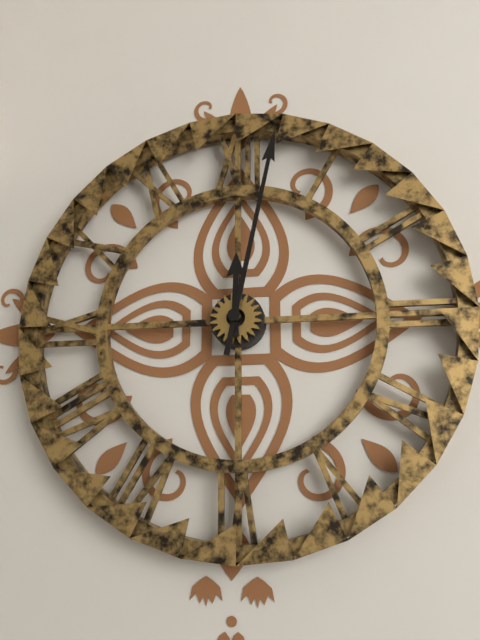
12:02
